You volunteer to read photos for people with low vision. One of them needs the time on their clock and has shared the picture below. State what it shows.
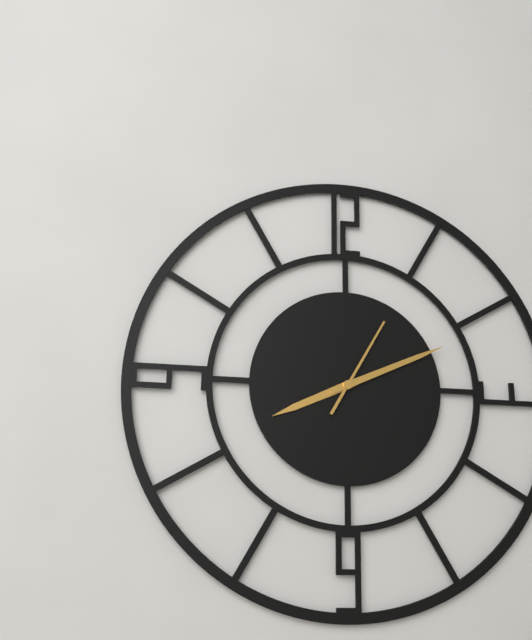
8:11:05
